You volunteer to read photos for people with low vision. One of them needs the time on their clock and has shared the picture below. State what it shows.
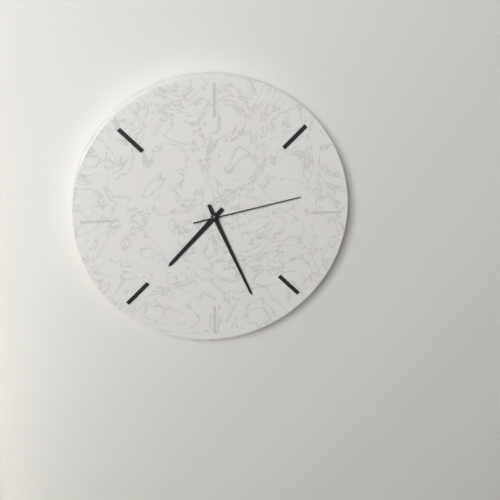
7:26:13
